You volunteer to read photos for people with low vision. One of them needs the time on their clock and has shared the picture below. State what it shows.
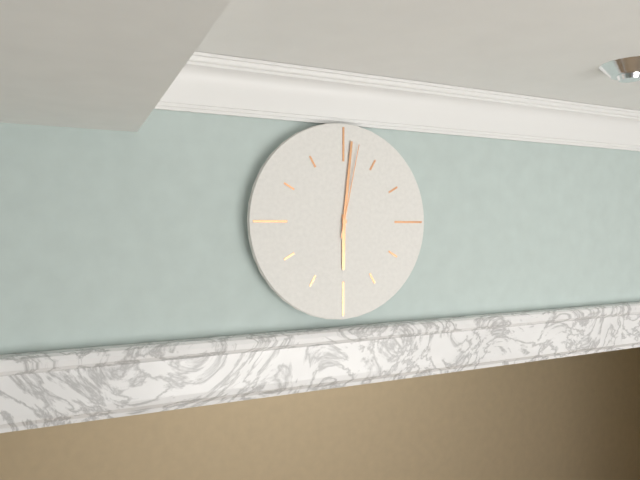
6:01:02
